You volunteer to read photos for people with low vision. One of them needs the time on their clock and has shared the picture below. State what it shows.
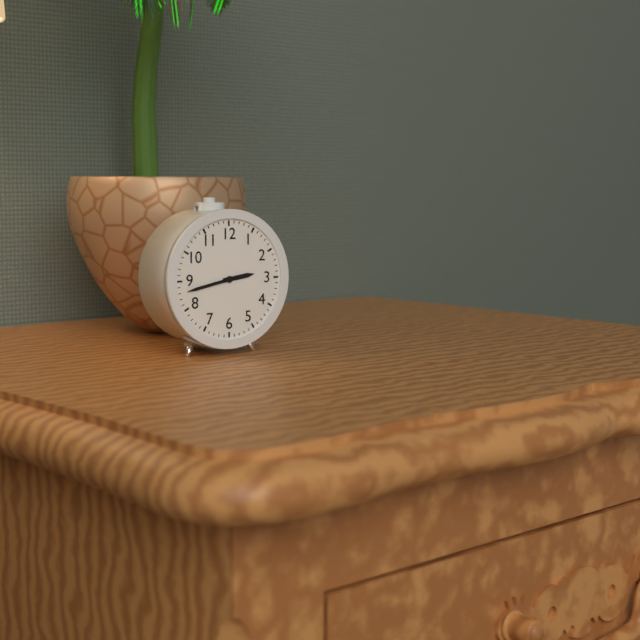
2:43
